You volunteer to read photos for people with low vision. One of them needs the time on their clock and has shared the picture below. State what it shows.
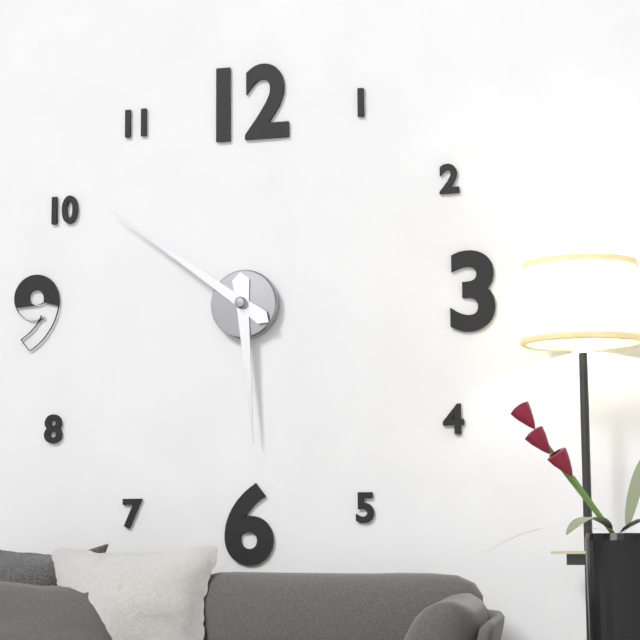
5:51
